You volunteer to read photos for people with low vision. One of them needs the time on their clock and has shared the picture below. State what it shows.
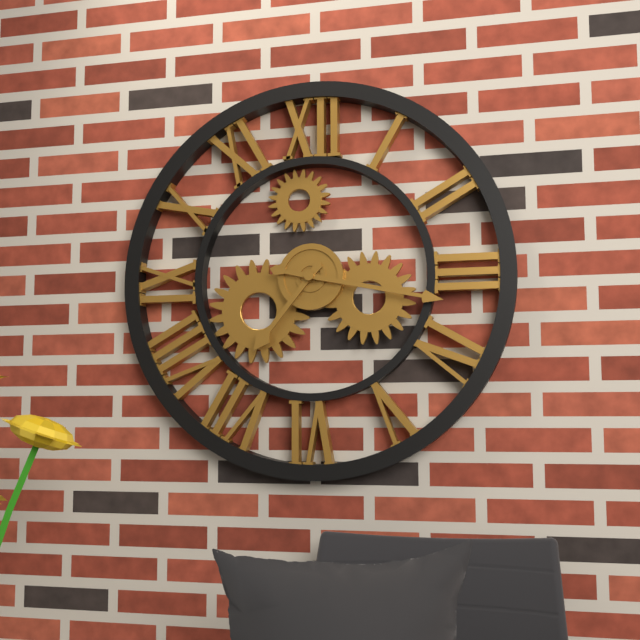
7:17
